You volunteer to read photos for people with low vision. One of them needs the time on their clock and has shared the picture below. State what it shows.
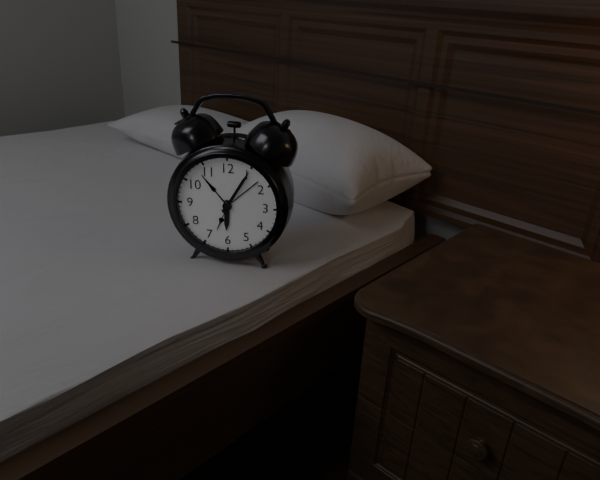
6:05
